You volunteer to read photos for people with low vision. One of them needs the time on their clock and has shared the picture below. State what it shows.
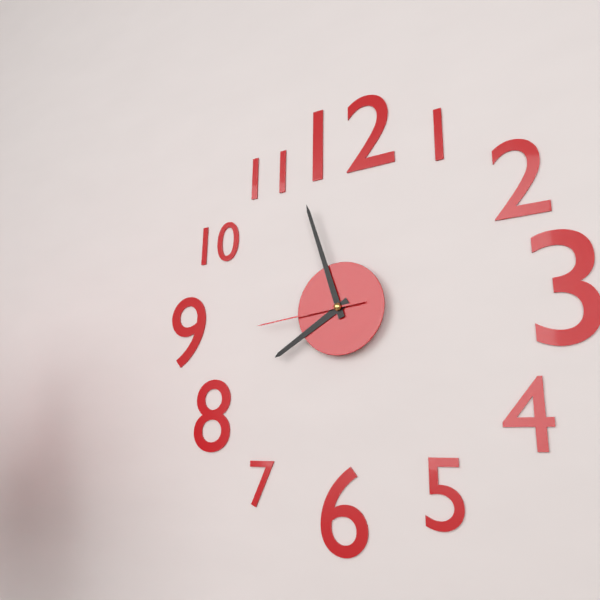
7:57:44
